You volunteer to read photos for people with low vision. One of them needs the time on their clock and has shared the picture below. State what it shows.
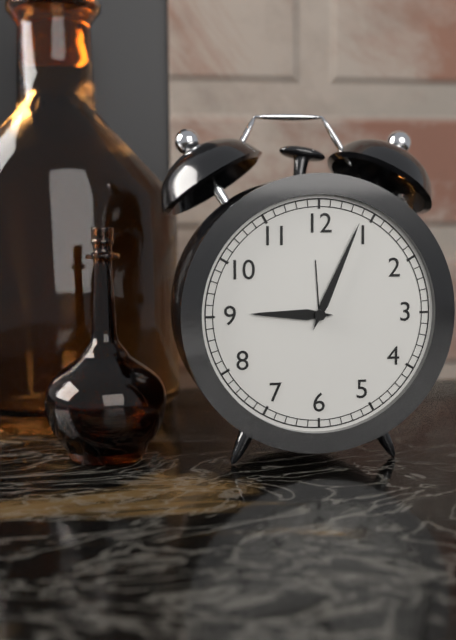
9:04
